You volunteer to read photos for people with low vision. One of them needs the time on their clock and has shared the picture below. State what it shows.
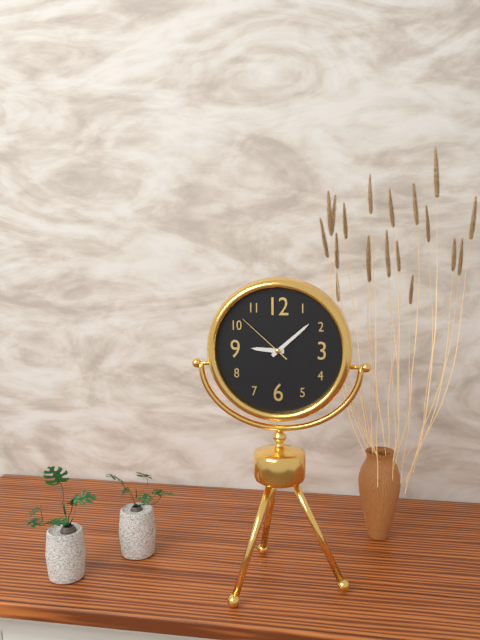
9:08:52
